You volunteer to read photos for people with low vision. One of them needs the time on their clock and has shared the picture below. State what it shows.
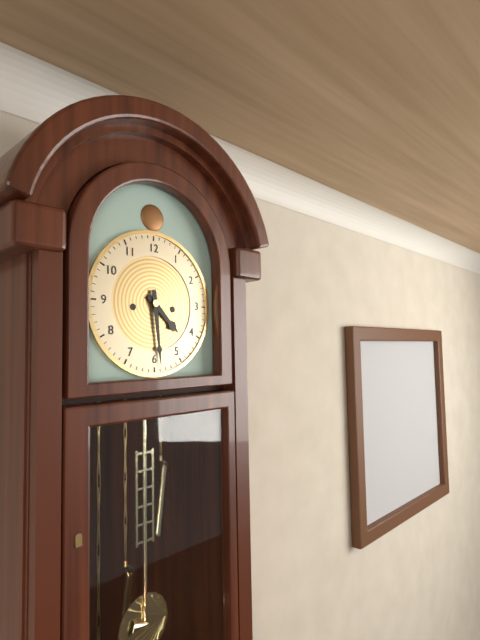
4:29
